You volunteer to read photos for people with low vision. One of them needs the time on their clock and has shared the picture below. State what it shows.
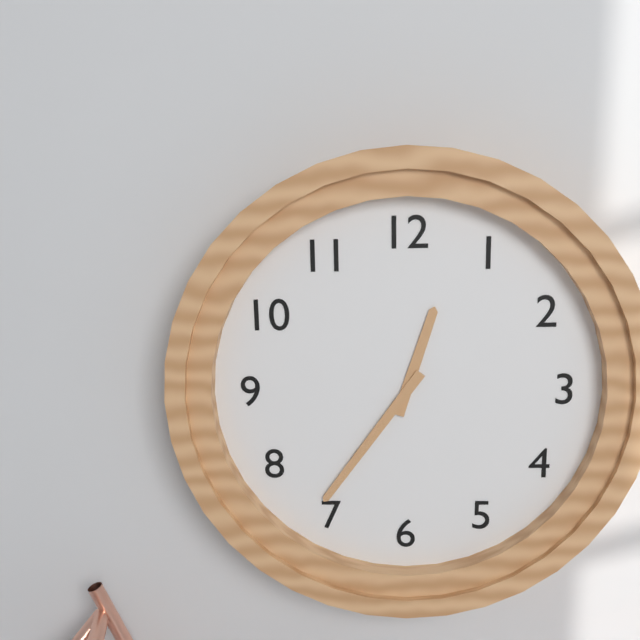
12:36
